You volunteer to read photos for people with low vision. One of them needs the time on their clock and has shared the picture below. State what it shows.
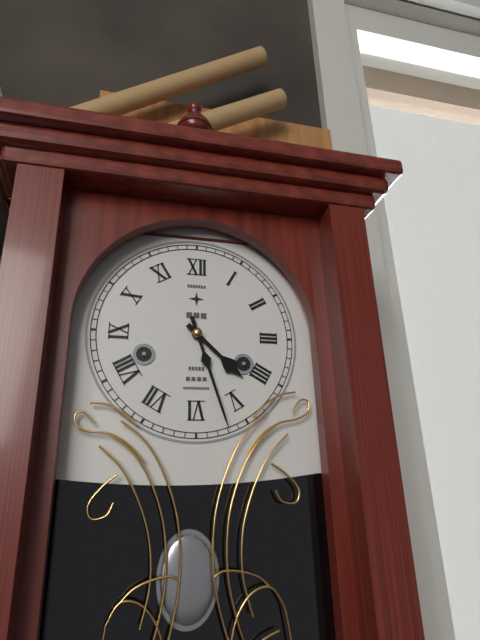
4:27
